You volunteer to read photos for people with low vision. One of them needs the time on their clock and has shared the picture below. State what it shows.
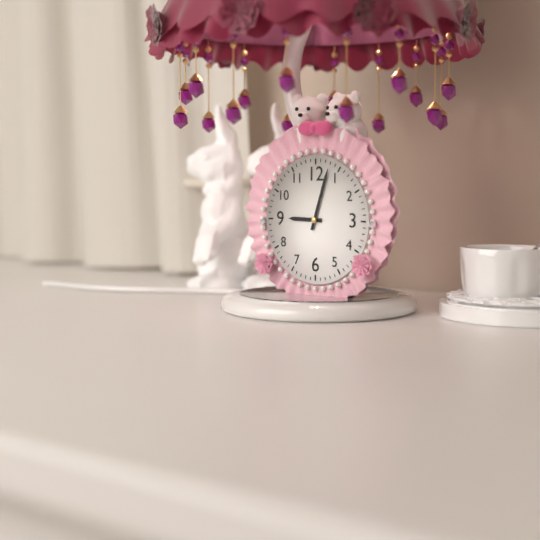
9:03
